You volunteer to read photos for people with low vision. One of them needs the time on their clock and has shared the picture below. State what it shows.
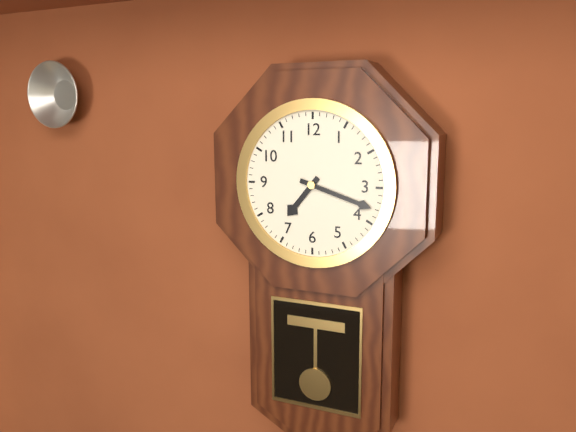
7:18
